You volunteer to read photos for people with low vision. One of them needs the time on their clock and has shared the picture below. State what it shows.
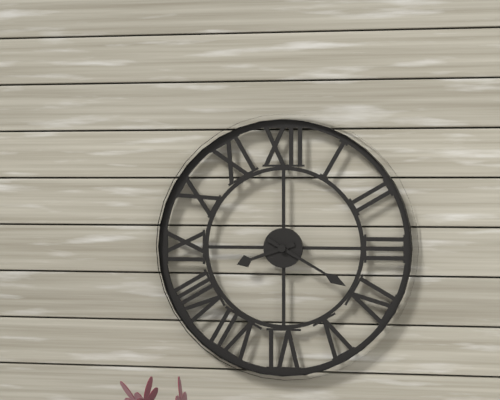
8:20
